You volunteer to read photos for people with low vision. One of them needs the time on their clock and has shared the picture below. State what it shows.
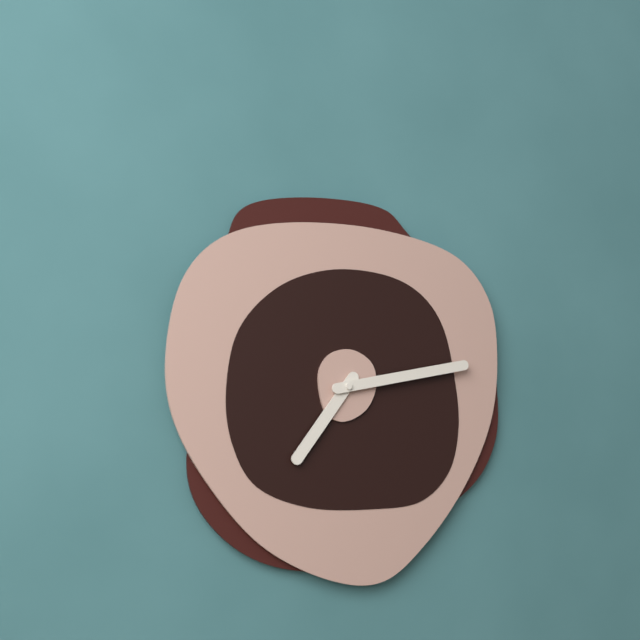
7:13
